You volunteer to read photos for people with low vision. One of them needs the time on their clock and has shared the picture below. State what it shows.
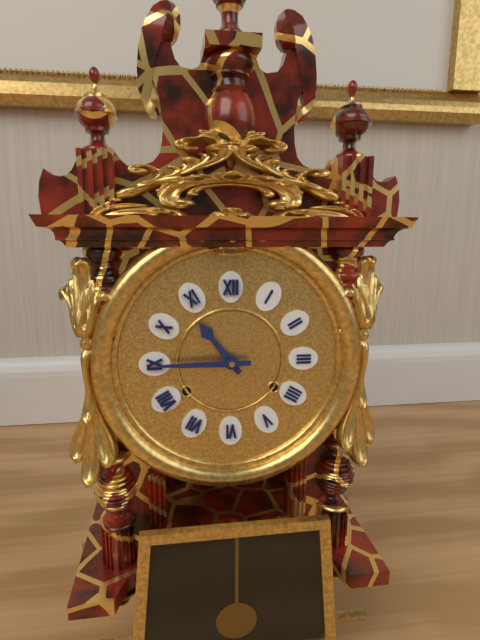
10:45
